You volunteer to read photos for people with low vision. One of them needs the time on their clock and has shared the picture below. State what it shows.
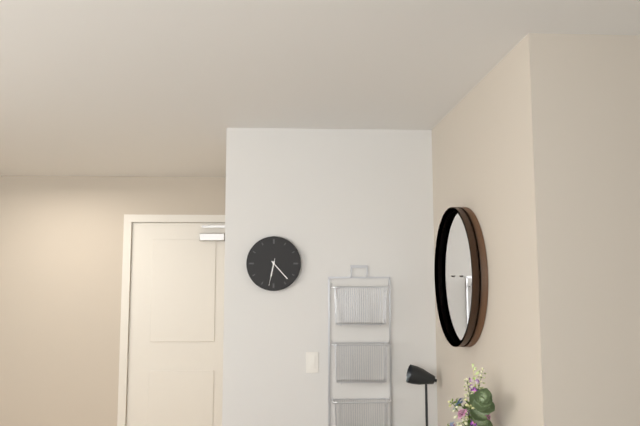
6:23
